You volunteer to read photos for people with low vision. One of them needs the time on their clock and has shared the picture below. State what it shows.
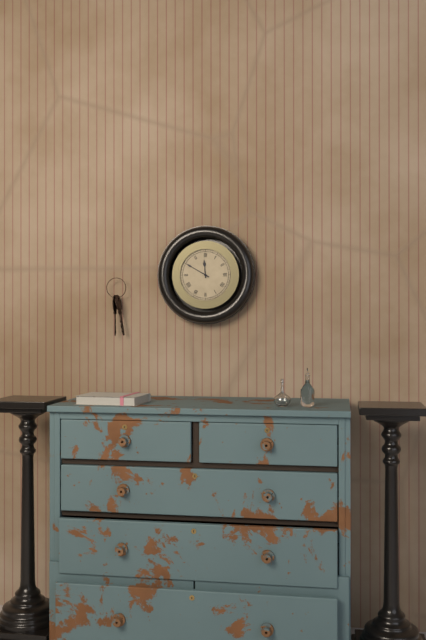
11:50
